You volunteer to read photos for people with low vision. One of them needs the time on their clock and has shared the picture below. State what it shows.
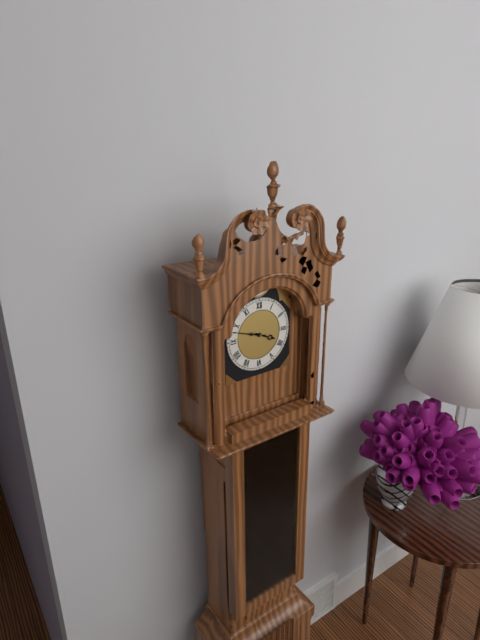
3:48
